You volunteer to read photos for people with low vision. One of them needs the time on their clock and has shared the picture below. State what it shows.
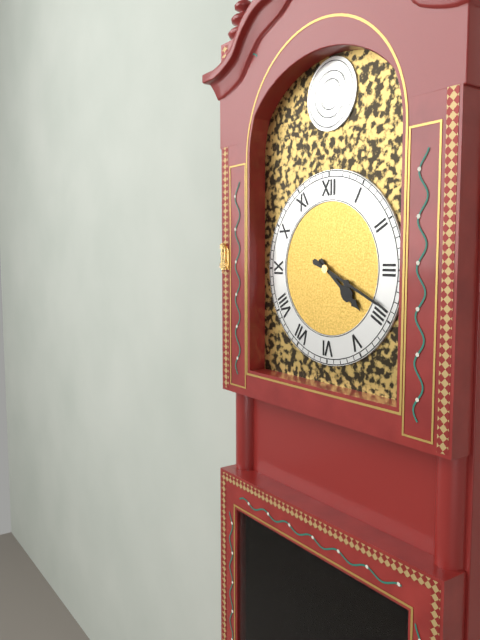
4:19
